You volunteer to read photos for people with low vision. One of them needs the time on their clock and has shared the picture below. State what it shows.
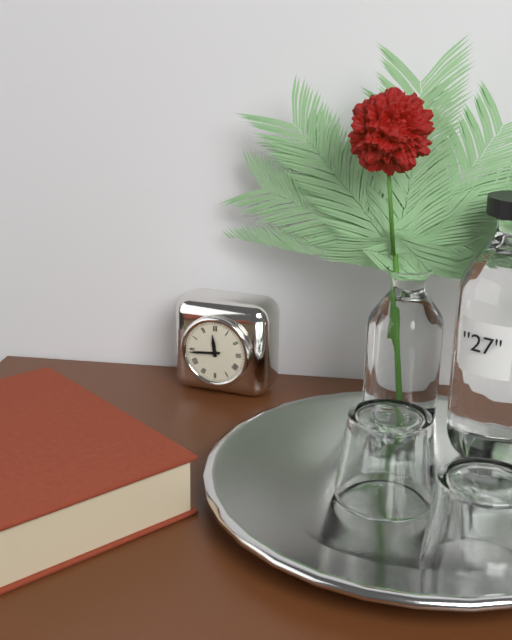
11:44
